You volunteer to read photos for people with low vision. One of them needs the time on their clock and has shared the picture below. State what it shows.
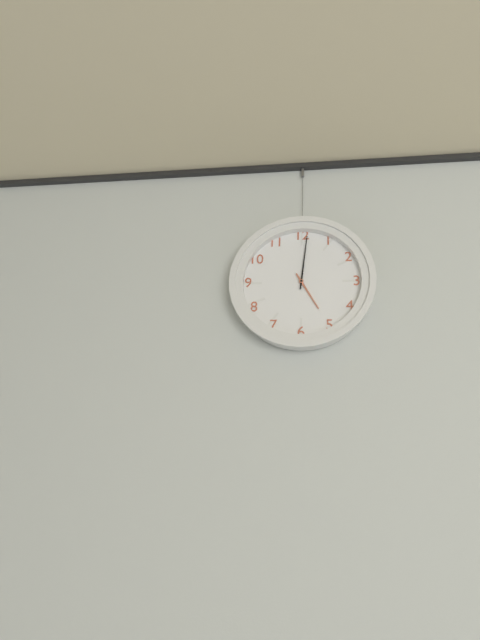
5:01
